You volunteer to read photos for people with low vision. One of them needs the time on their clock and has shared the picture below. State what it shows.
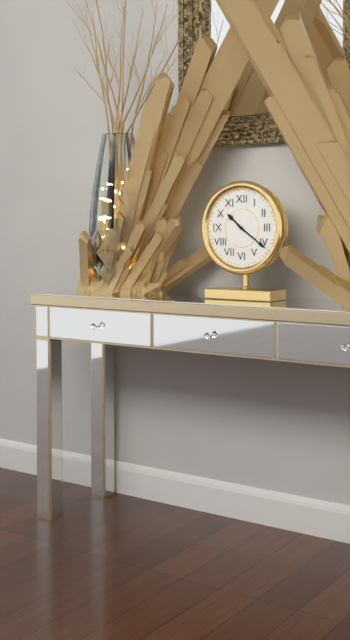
10:21
